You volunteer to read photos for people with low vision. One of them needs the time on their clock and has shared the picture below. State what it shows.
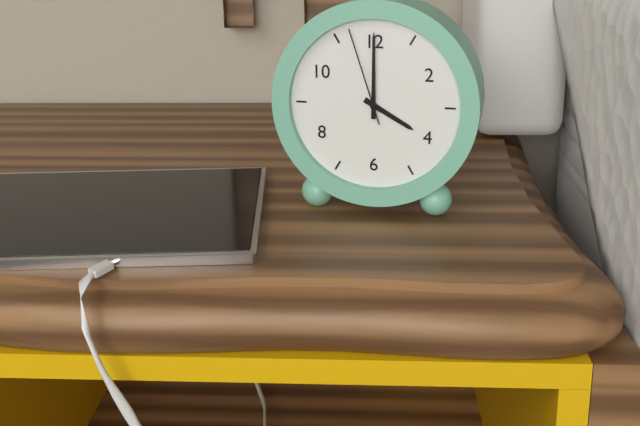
4:00:57
